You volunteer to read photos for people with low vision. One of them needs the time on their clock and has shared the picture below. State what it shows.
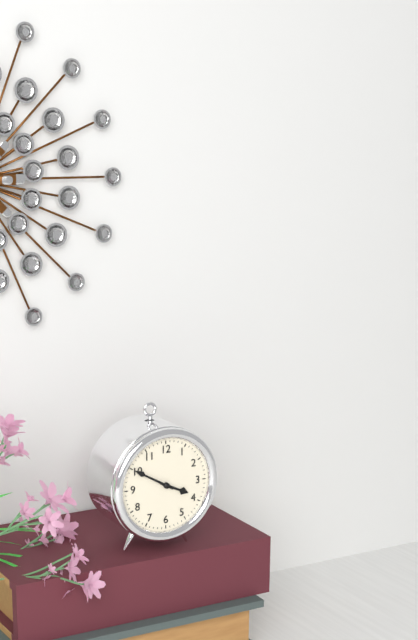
3:50
